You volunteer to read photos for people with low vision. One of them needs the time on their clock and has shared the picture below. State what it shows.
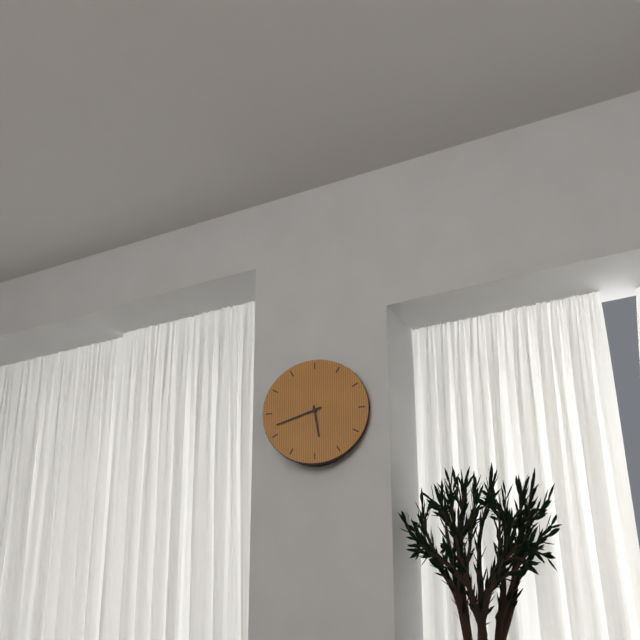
5:42
